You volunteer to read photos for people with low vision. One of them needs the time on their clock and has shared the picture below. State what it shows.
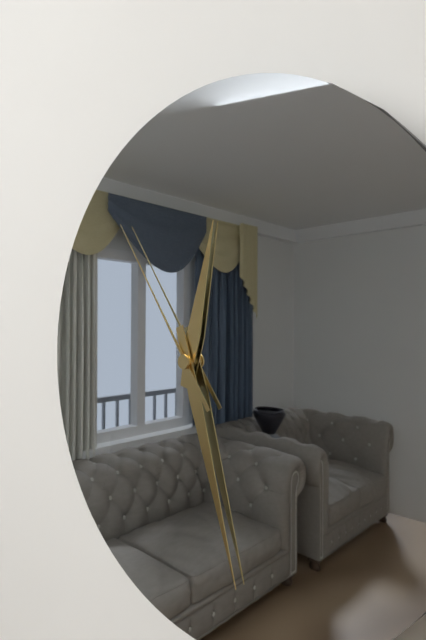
12:27:54
